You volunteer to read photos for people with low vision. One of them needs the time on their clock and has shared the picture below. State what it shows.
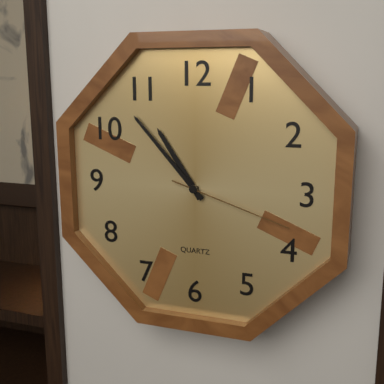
10:53:18
